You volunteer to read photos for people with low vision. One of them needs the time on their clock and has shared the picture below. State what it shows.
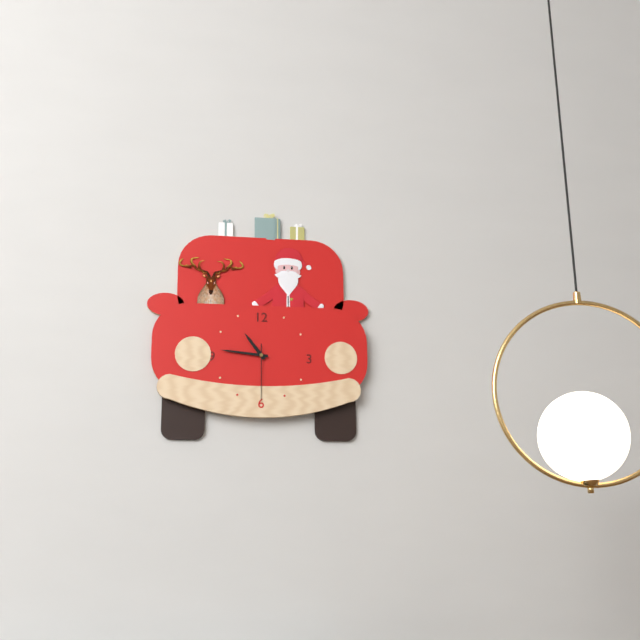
10:46:30
